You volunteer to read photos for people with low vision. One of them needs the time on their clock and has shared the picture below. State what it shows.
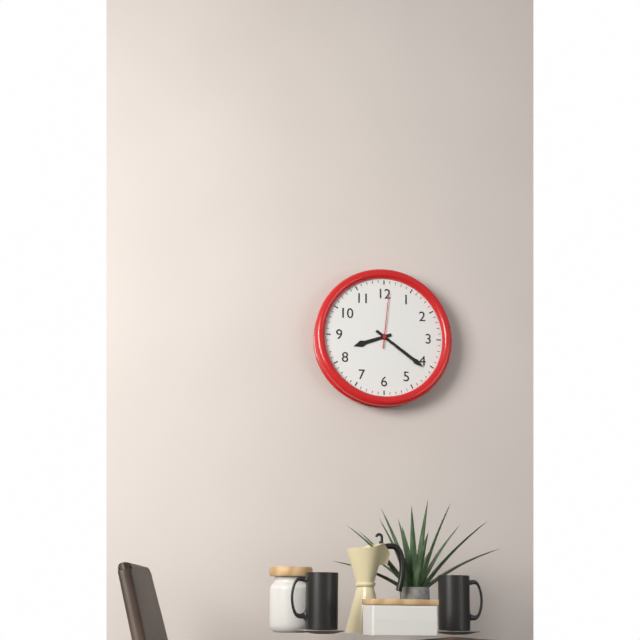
8:21:01
